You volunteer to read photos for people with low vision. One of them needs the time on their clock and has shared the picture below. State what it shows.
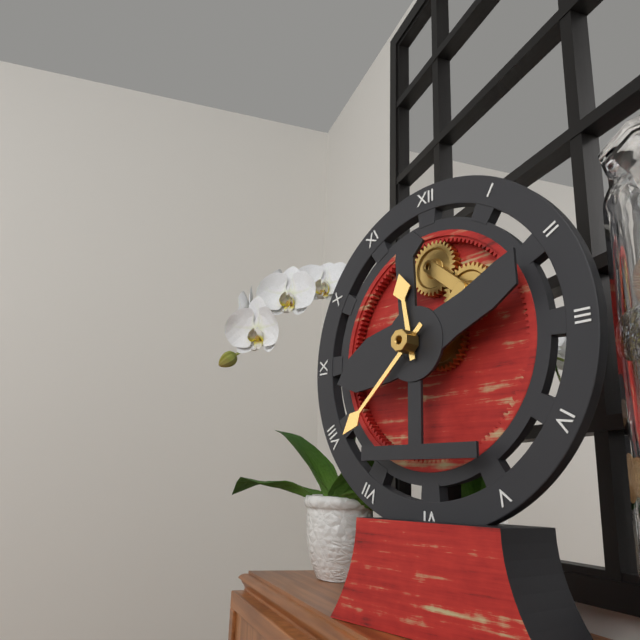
11:38
